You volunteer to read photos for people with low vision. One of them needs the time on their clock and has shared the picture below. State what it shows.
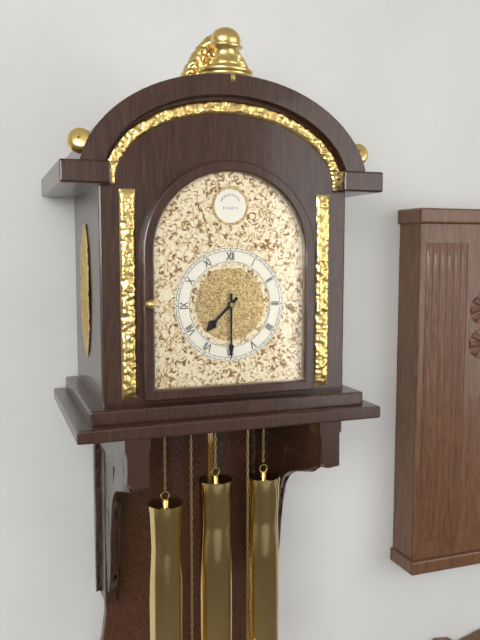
7:30
